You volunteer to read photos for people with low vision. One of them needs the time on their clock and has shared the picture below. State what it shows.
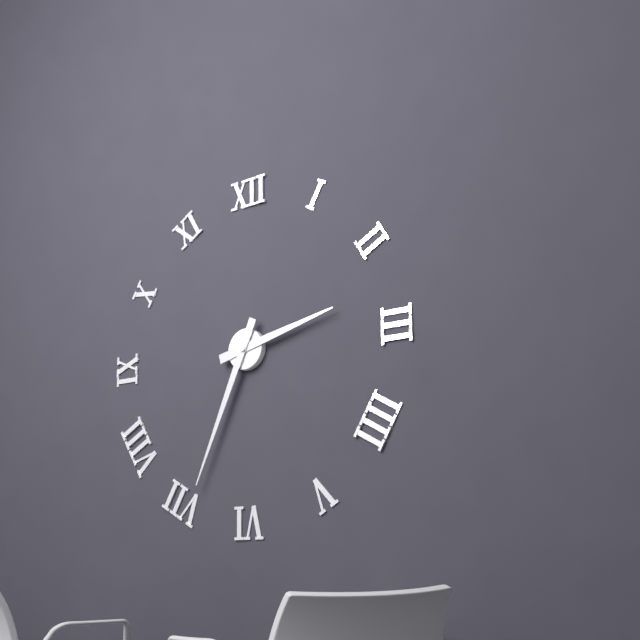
2:34
